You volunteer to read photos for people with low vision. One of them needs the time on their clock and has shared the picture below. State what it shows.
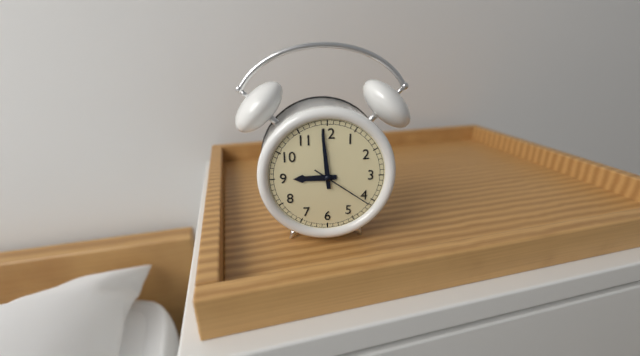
8:59:21
